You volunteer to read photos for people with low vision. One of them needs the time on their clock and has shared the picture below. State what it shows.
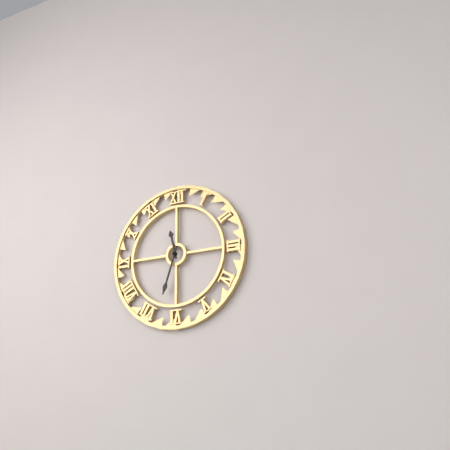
11:33
